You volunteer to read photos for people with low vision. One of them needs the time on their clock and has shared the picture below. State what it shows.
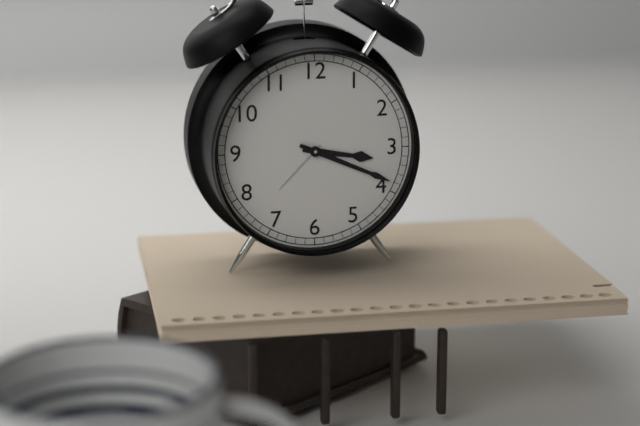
3:19
